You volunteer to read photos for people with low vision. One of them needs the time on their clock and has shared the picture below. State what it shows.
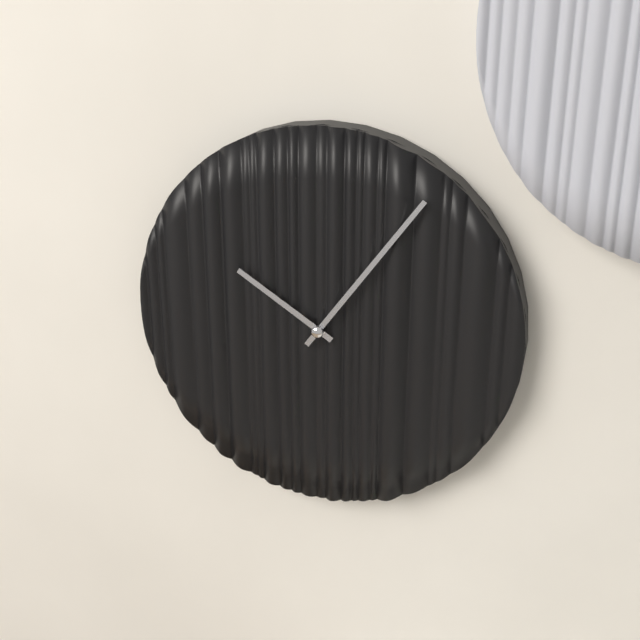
10:06
